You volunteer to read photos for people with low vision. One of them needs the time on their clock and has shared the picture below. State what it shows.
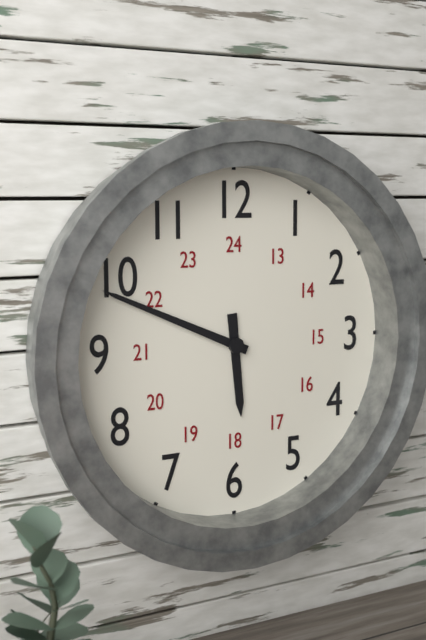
5:49
